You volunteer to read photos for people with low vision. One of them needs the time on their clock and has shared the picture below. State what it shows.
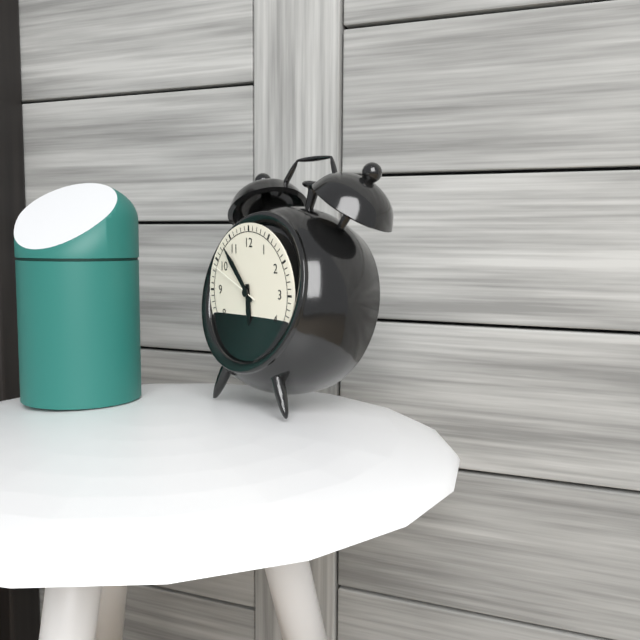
5:53:49
